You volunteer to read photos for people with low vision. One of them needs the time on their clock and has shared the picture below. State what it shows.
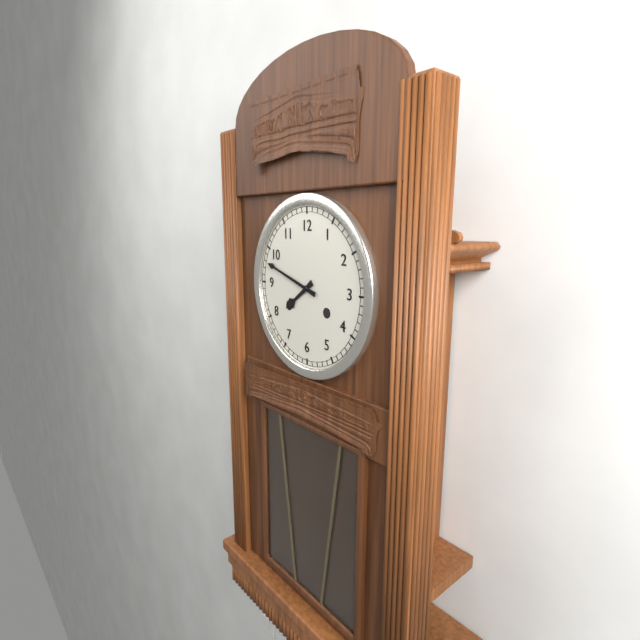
7:48
